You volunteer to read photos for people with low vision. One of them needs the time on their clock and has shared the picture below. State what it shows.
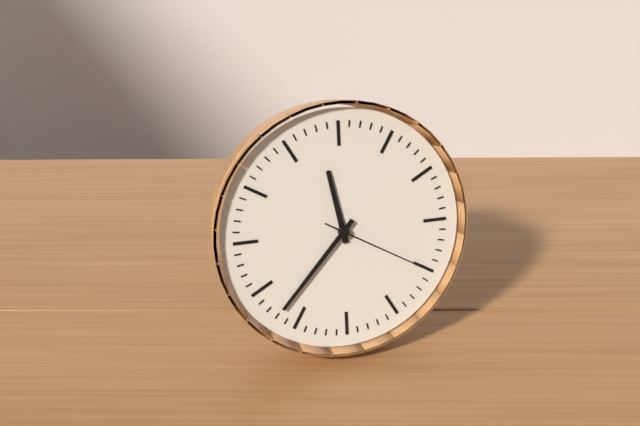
11:37:20
